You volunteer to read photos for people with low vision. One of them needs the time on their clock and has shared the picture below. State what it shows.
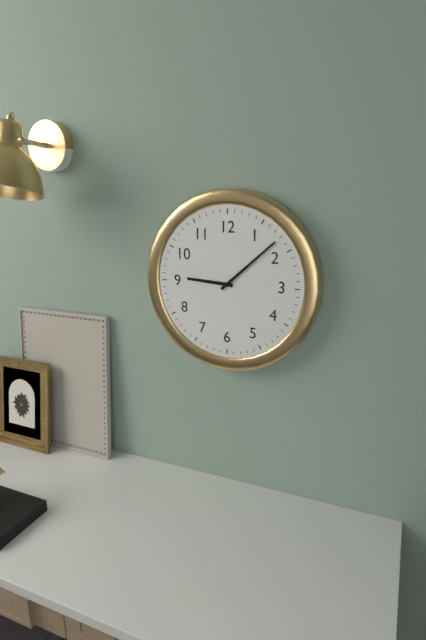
9:08
